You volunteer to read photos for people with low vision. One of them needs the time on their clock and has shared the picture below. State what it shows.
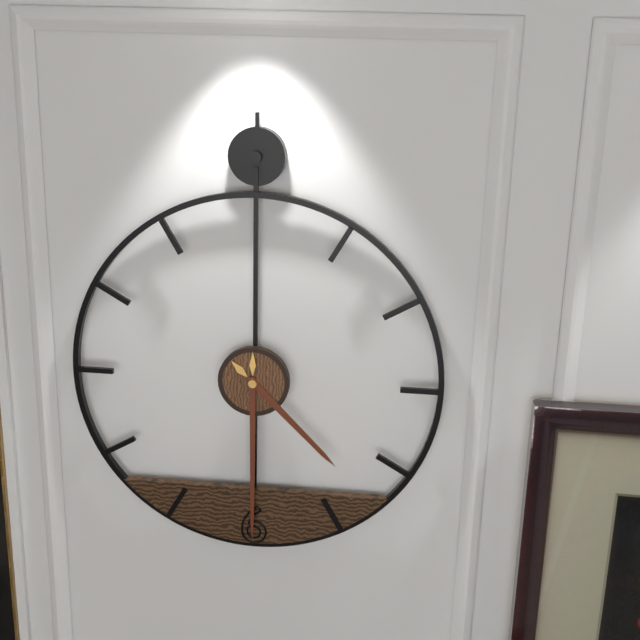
4:30
